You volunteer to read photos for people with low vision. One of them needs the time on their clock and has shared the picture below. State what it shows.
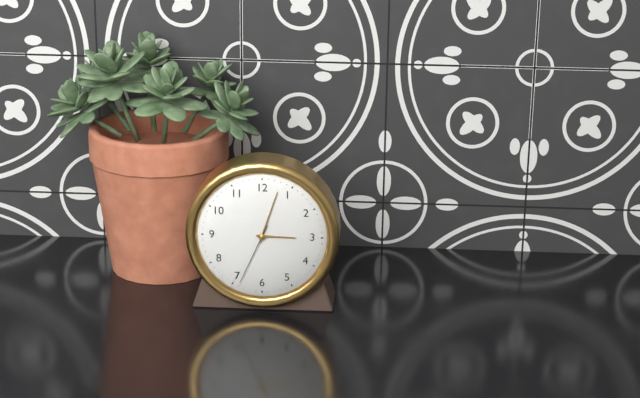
3:03:34
